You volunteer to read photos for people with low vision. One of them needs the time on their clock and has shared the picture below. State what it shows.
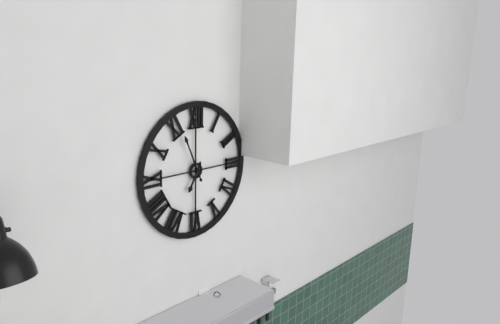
6:56
